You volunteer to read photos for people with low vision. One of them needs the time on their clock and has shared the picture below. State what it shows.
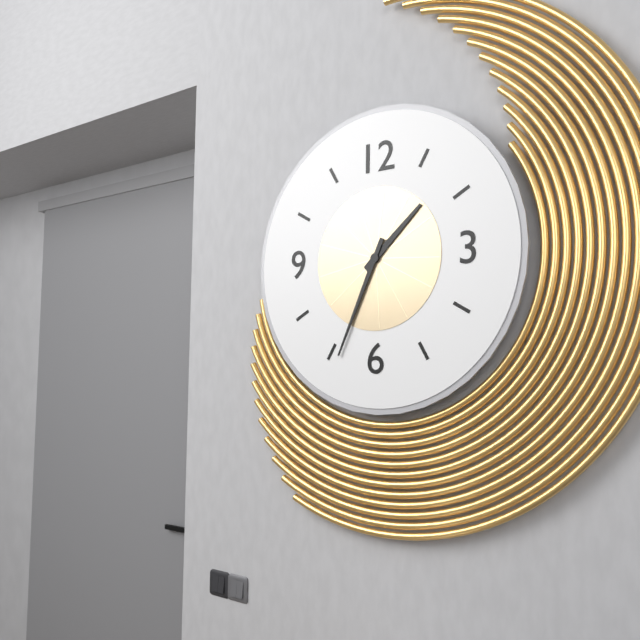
1:34
